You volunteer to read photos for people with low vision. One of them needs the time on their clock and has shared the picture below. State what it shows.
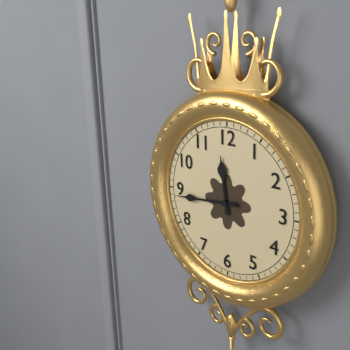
11:44
